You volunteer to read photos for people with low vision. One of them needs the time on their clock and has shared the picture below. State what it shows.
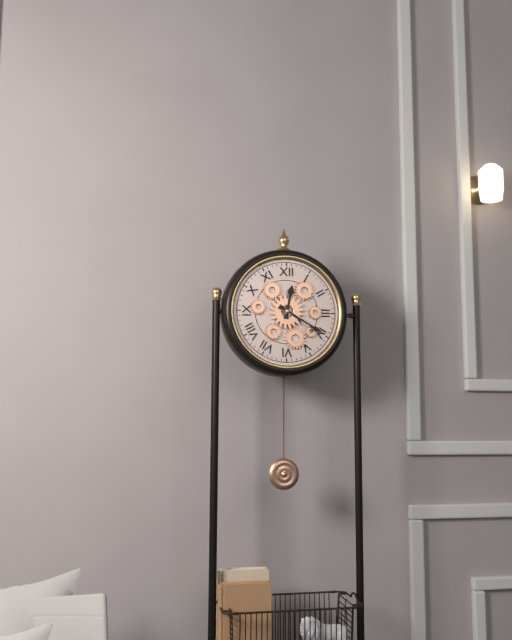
12:20
